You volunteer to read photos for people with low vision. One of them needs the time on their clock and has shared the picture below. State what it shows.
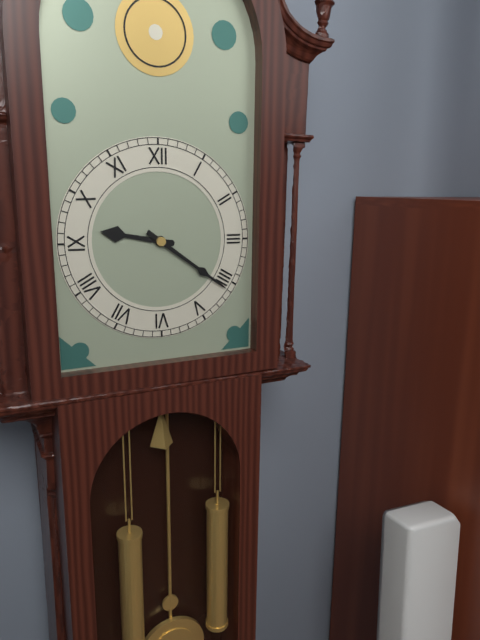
9:21
